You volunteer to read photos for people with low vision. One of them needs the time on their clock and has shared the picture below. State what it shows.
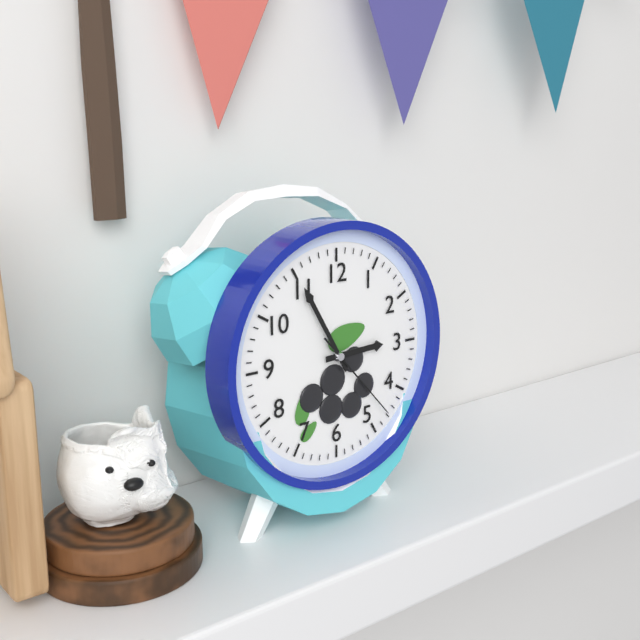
2:55:23
